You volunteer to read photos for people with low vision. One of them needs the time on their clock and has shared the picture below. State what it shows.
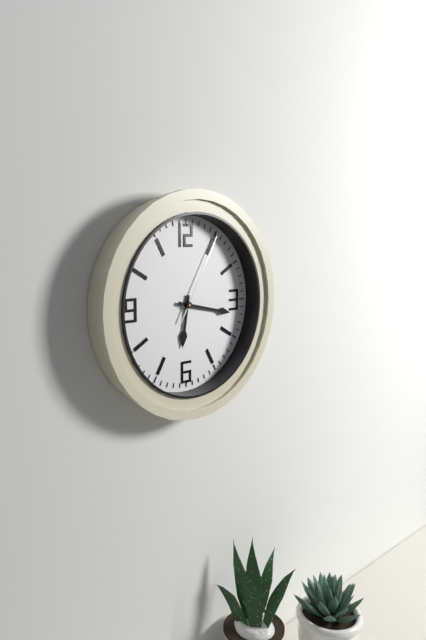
6:17:05
